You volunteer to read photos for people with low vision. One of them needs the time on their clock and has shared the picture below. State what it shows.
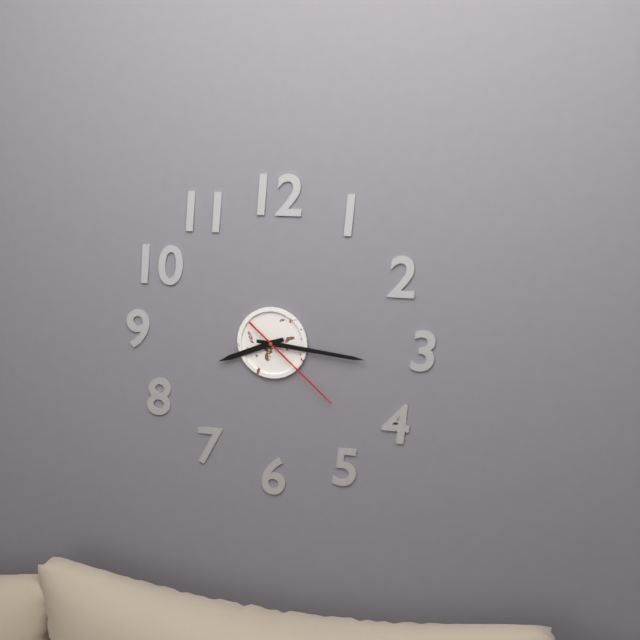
8:16:22
